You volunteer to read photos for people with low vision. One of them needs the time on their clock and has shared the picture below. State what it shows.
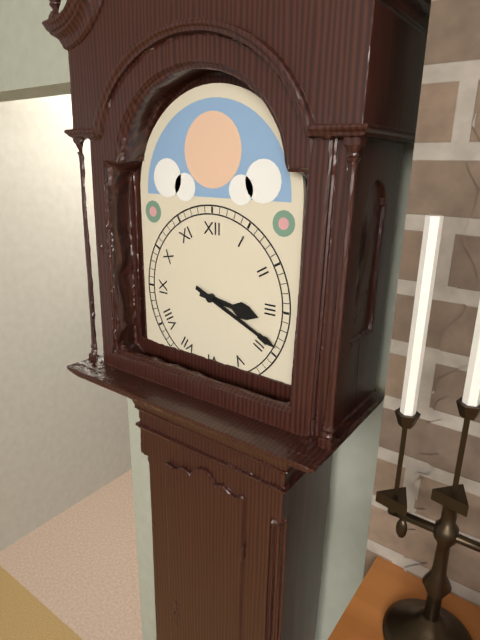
3:19
